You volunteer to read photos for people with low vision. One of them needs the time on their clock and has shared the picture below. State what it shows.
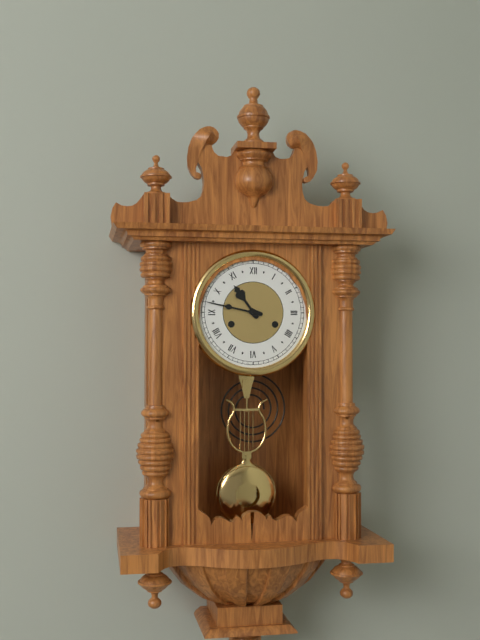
10:47
